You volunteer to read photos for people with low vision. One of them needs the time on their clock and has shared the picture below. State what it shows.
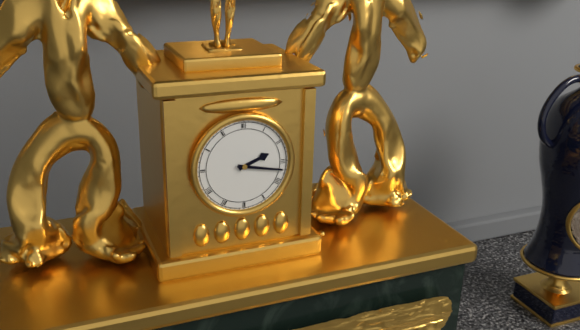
2:17
